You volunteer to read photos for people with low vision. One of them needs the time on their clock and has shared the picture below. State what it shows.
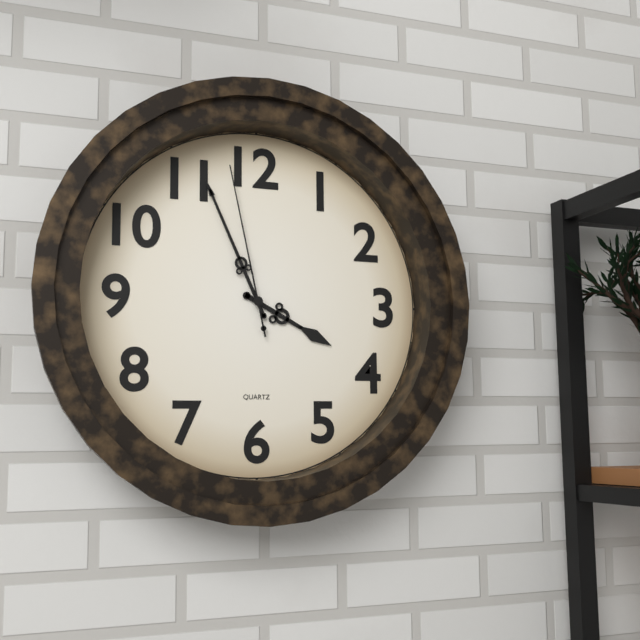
3:56:58
